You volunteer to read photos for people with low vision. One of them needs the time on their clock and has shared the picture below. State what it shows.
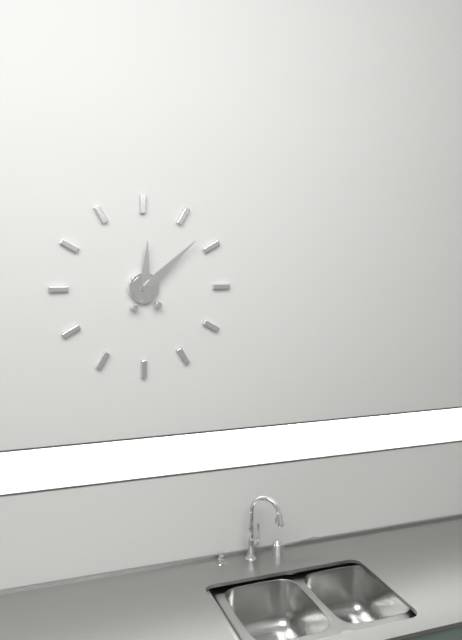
12:08
